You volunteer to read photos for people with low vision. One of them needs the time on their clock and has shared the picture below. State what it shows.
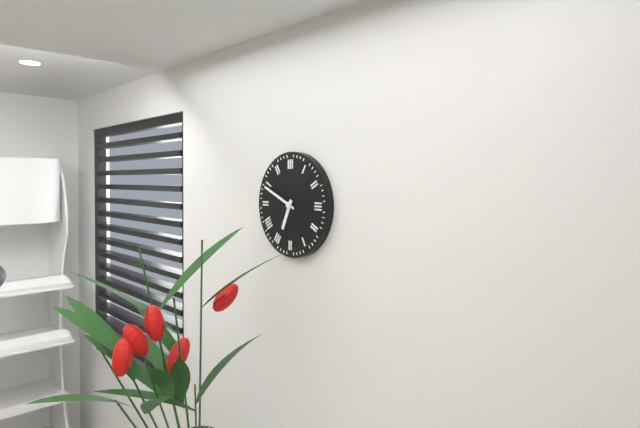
6:49
